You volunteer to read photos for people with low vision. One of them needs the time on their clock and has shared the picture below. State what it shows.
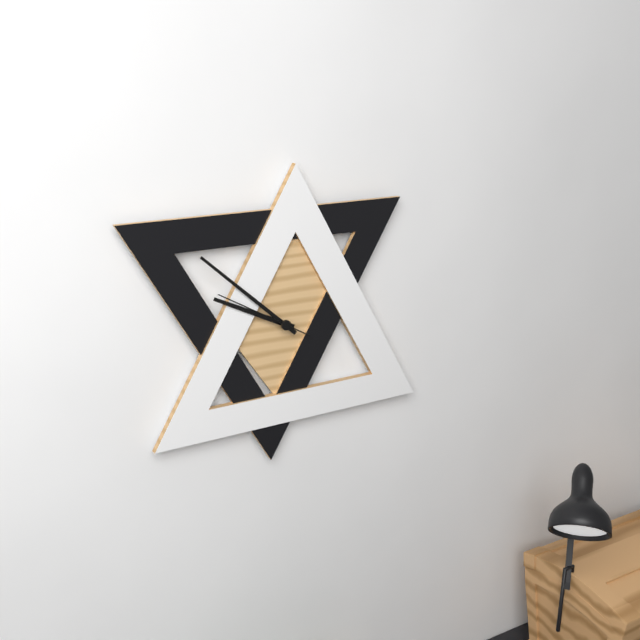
9:52:50
